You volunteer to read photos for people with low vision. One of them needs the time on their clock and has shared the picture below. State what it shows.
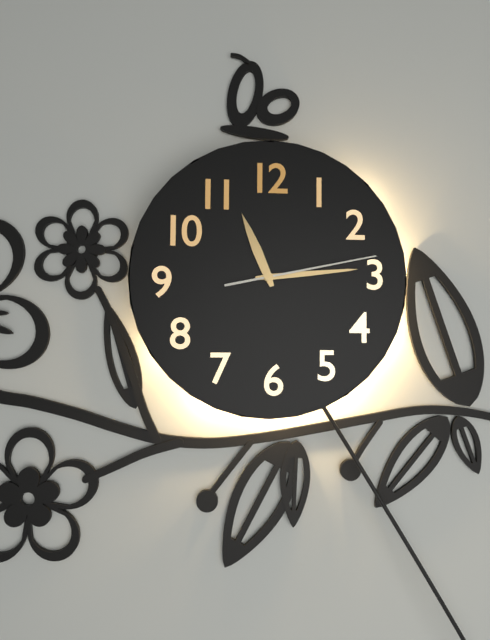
11:14:13
